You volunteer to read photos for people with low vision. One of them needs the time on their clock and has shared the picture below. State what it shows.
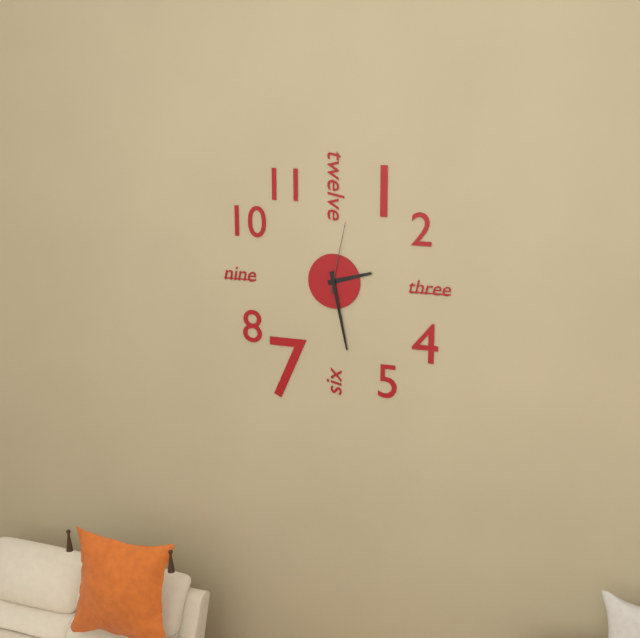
2:28:02
